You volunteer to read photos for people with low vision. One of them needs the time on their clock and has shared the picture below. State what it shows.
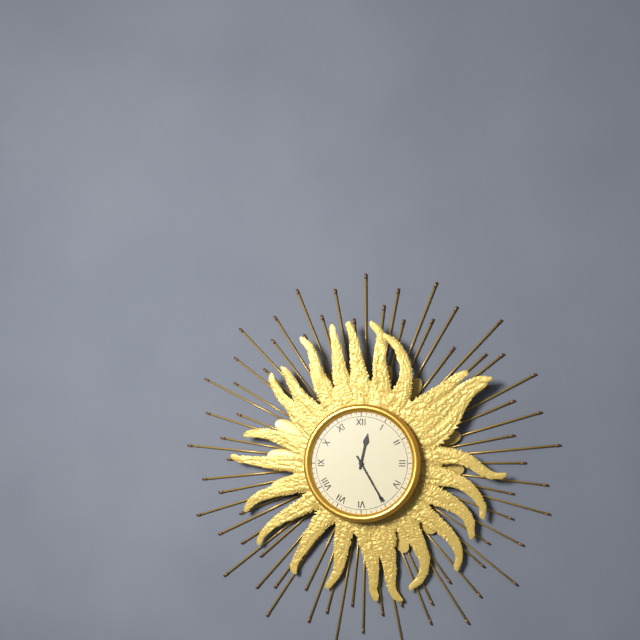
12:25
